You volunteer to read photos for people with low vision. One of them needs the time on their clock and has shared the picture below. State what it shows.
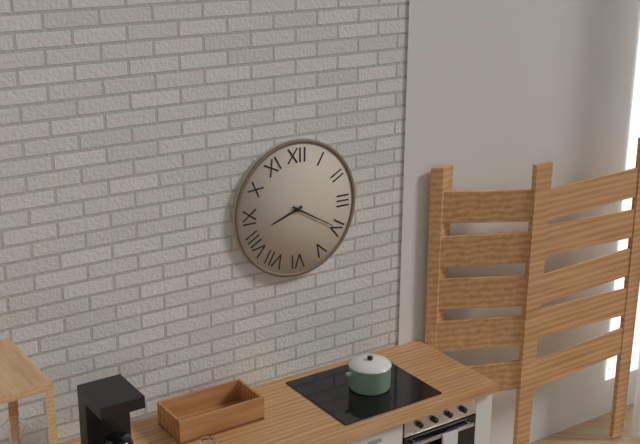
8:20
